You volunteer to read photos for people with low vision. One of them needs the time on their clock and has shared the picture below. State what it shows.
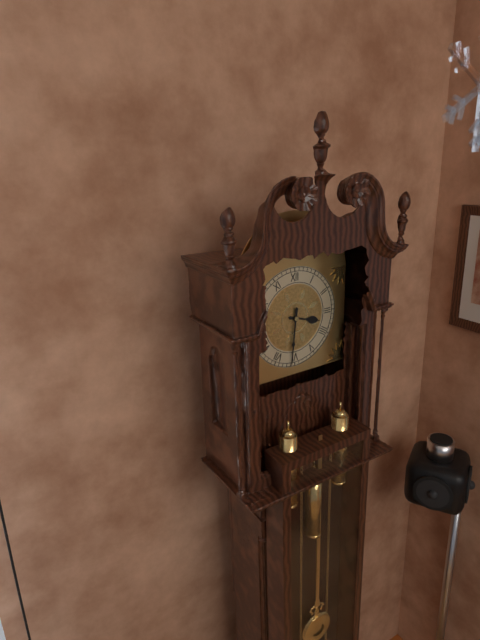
3:31
